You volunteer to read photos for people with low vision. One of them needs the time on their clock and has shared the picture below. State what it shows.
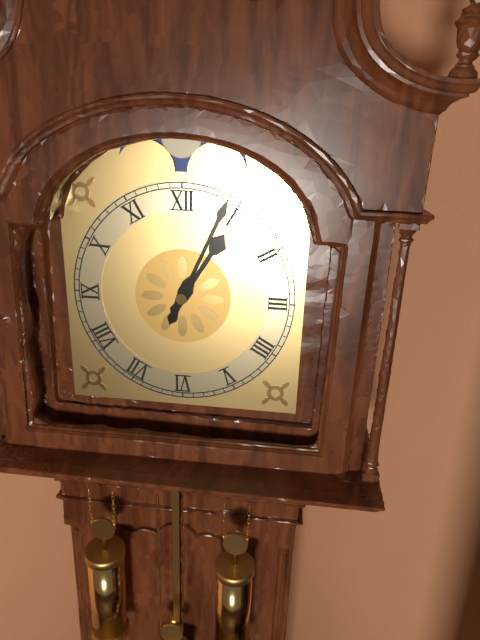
1:04
